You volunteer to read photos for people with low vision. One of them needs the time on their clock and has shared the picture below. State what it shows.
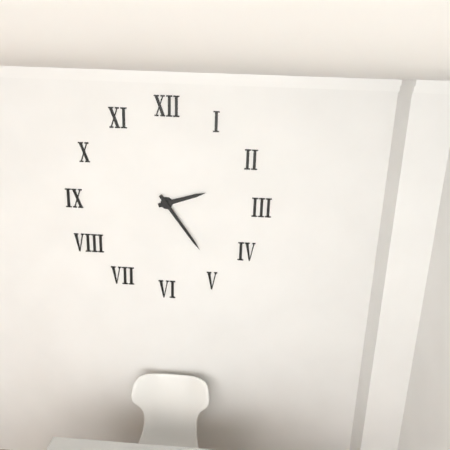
2:24
